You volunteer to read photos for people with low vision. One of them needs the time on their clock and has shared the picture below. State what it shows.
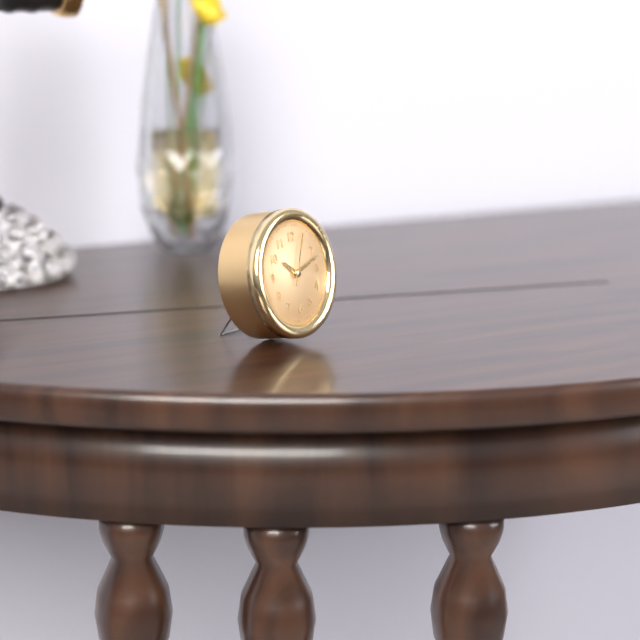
10:12:04
